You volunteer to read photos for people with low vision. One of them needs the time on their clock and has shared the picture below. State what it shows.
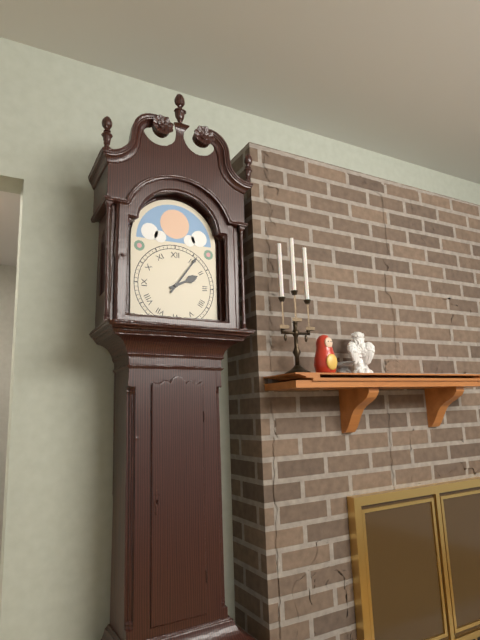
2:06
